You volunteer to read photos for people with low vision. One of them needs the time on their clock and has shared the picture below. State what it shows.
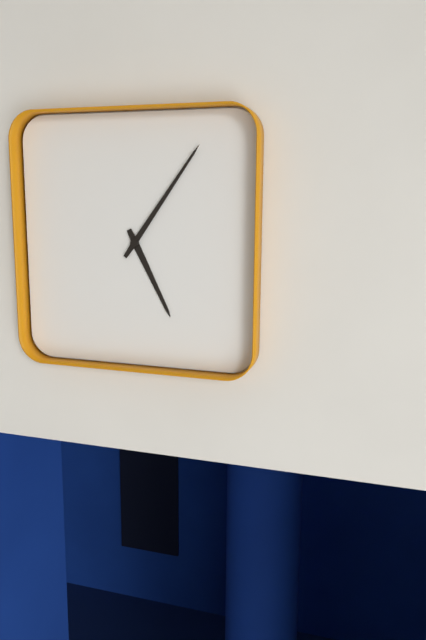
5:06
